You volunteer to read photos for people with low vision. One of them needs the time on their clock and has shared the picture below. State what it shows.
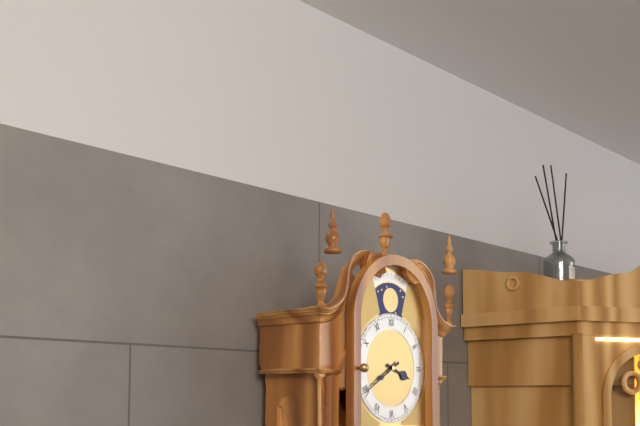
3:40
